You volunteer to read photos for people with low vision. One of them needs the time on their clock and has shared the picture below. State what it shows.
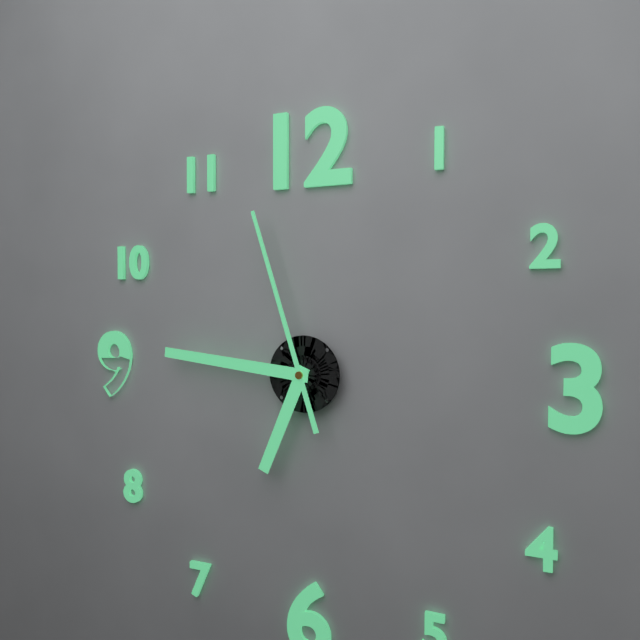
6:46:57
